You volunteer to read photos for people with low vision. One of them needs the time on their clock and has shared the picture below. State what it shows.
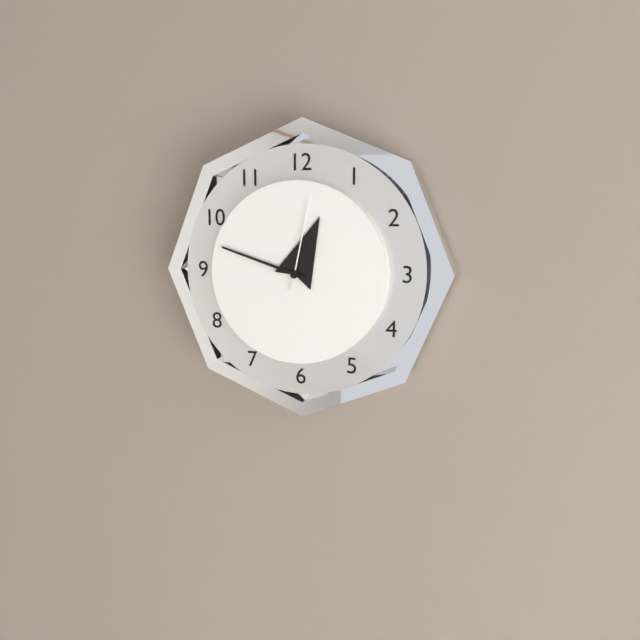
12:48:02
